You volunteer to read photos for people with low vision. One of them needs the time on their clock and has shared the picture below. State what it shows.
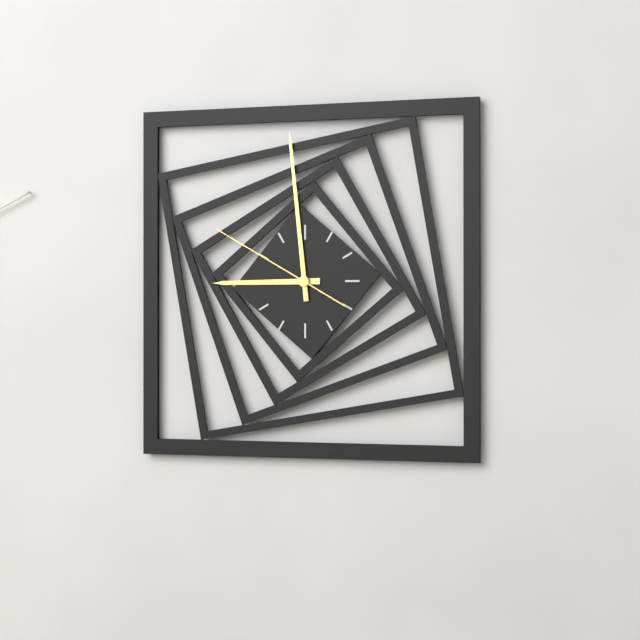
8:59:50
